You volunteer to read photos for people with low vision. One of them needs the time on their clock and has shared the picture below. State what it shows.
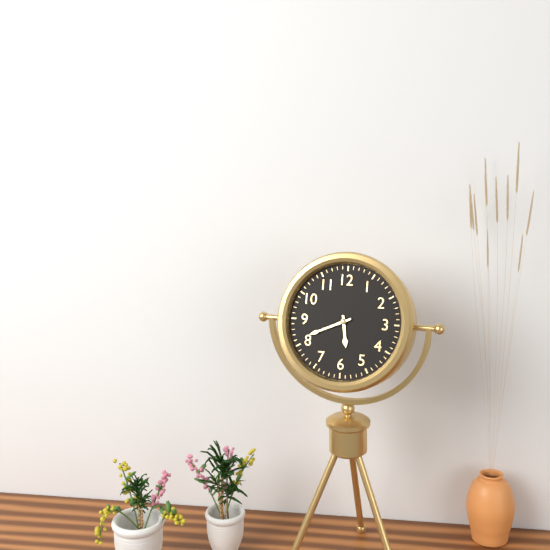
5:41
